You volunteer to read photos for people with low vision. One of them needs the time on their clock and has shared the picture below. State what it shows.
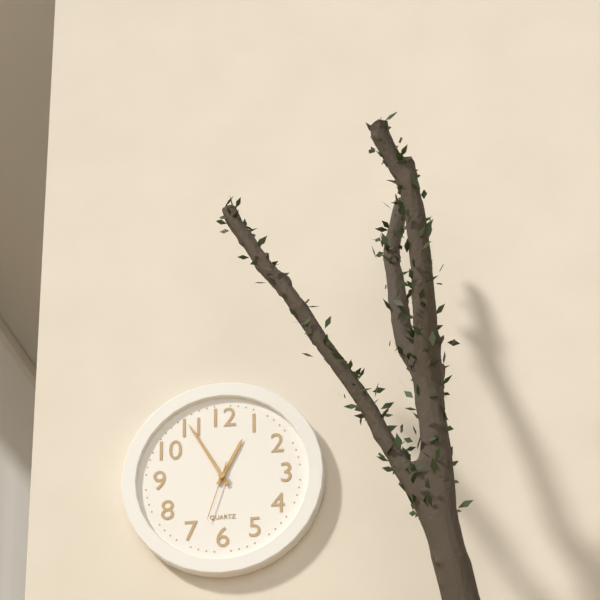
12:55:33
